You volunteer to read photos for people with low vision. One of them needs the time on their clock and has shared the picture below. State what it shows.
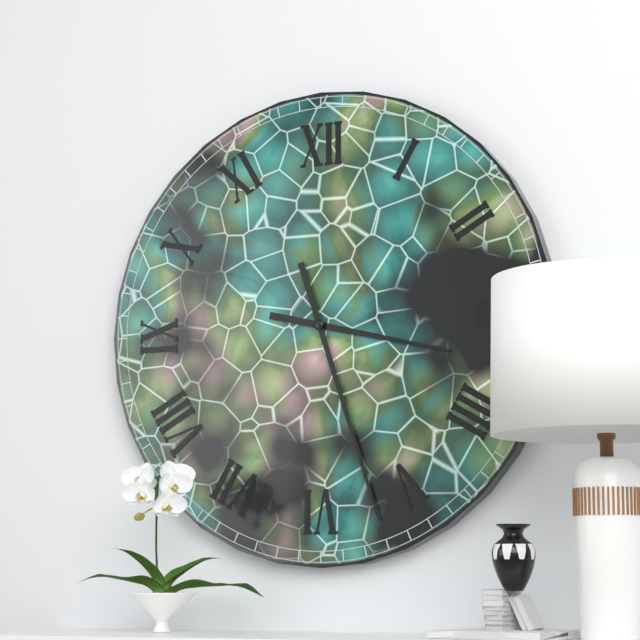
3:27
